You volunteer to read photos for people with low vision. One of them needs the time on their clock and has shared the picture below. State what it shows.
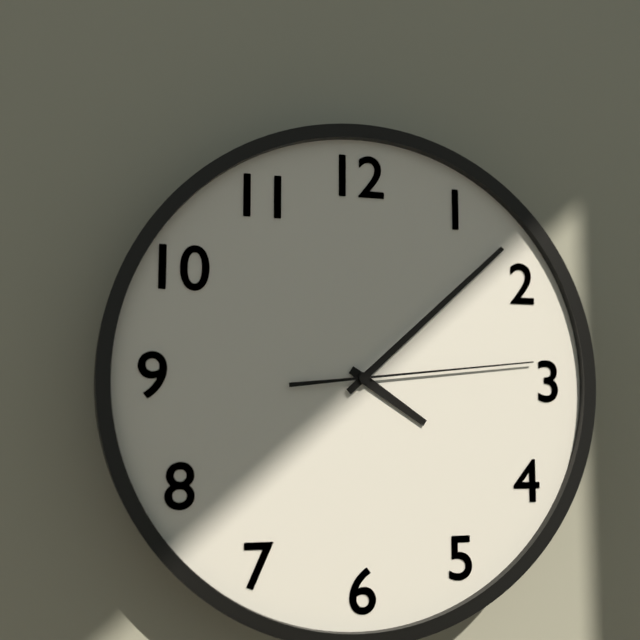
4:08:14
